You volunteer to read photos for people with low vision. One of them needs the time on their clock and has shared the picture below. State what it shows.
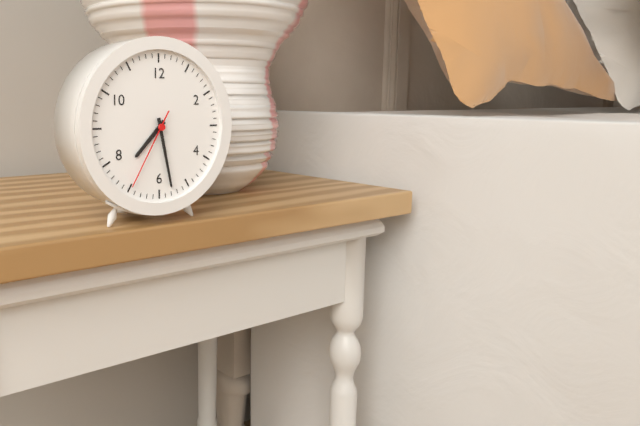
7:28:35
